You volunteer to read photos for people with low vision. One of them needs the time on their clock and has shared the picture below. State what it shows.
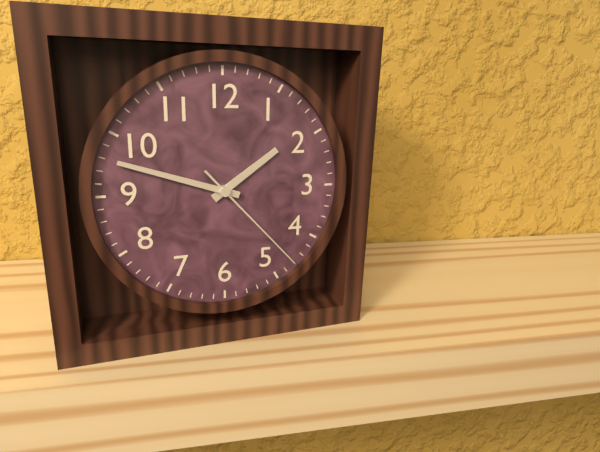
1:48:23
